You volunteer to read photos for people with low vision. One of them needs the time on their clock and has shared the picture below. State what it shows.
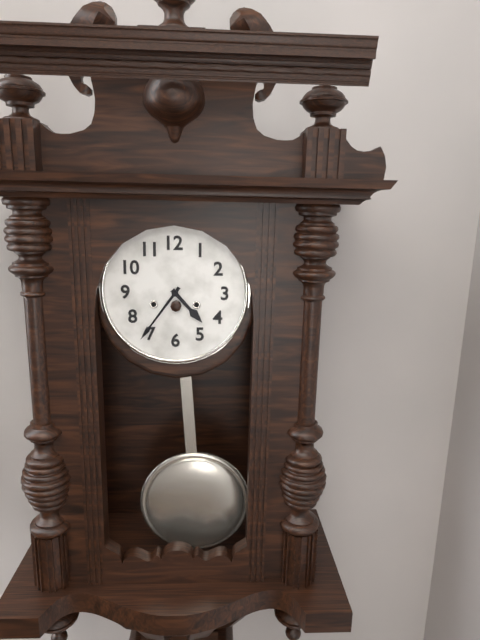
4:36
